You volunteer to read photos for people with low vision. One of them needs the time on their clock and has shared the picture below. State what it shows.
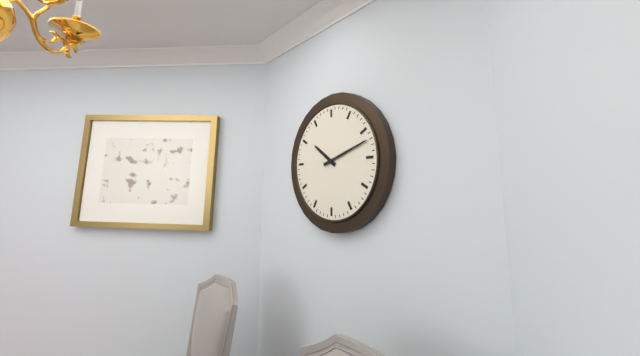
10:12
